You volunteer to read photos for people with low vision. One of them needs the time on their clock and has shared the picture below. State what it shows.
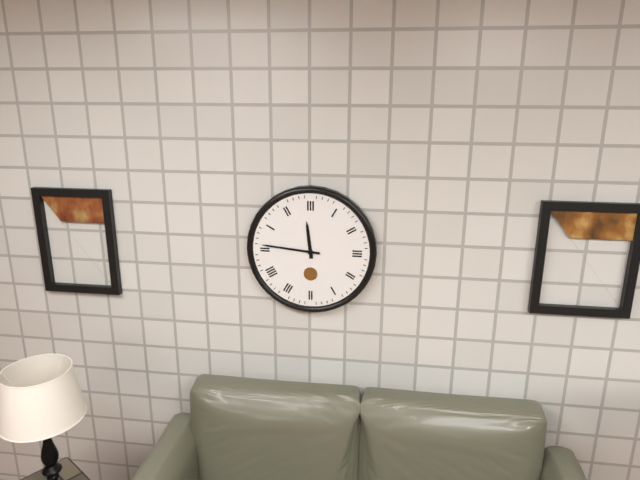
11:46
